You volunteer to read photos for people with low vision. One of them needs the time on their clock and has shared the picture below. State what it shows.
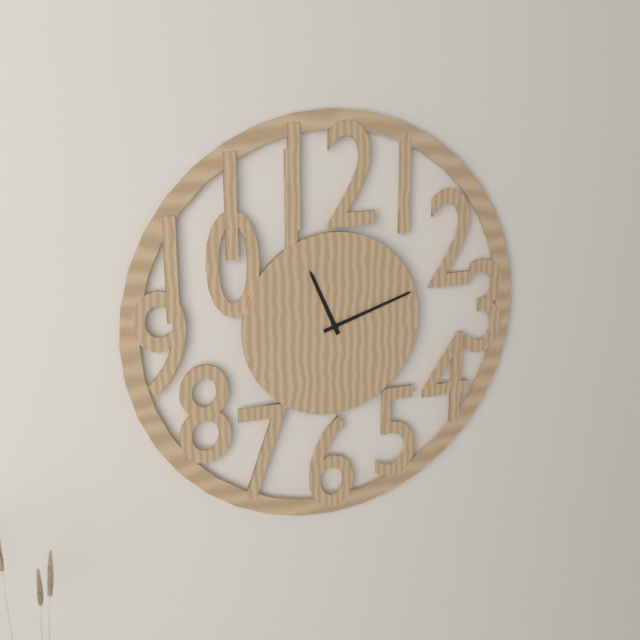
11:12
